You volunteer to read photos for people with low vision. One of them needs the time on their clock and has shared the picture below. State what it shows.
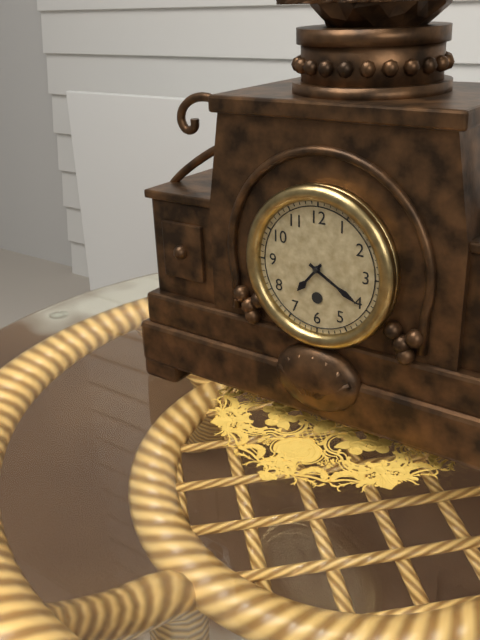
7:20
